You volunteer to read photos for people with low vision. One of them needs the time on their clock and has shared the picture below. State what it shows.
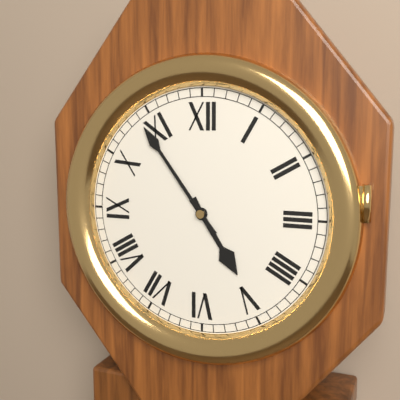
4:54
